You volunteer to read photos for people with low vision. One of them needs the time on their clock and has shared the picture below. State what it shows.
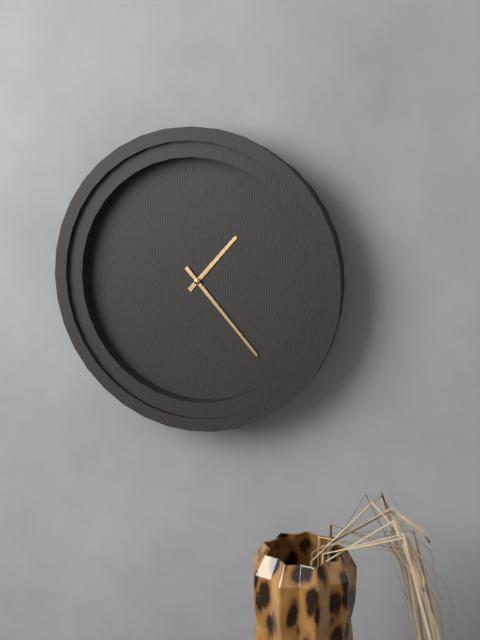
1:23
